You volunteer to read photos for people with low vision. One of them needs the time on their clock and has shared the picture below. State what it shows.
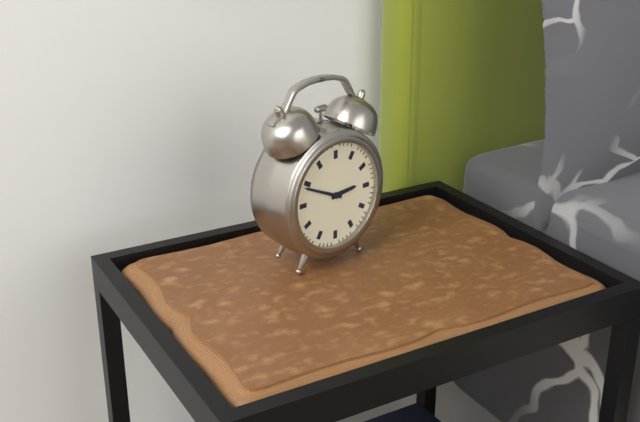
2:49
